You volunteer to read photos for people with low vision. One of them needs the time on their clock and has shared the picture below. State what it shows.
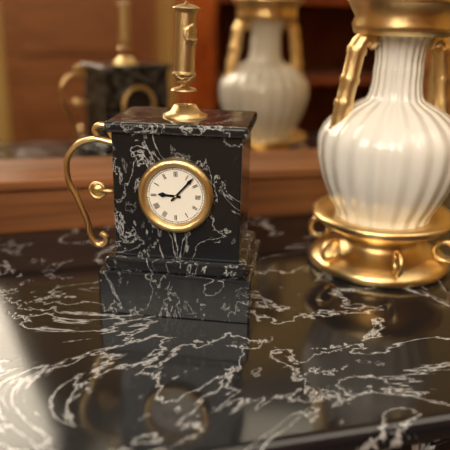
9:07
